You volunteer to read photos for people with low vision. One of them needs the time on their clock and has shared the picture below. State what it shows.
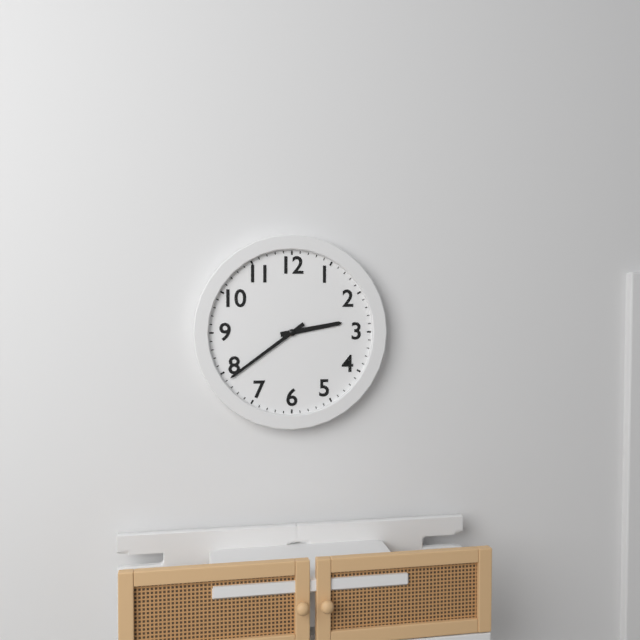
2:39
